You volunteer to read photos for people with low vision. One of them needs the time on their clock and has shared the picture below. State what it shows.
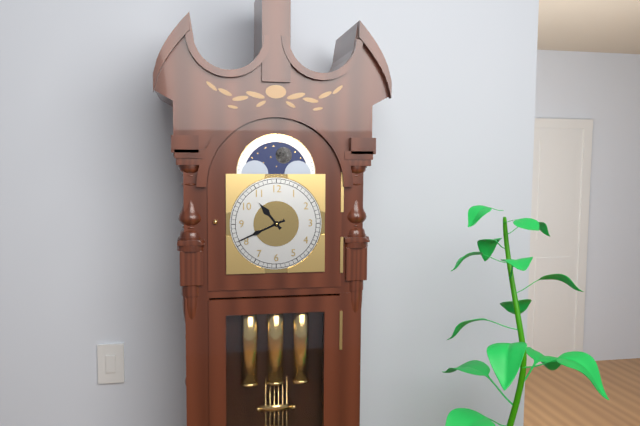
10:41
